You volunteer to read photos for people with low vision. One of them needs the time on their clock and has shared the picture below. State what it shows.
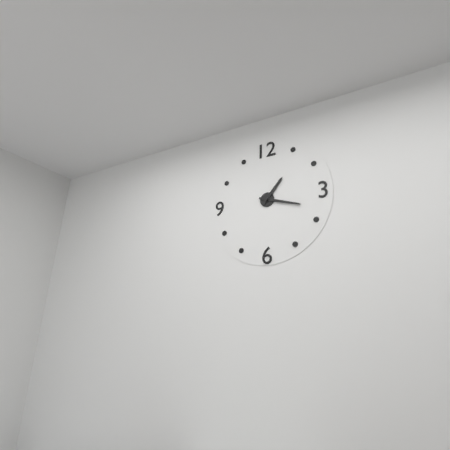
1:18
